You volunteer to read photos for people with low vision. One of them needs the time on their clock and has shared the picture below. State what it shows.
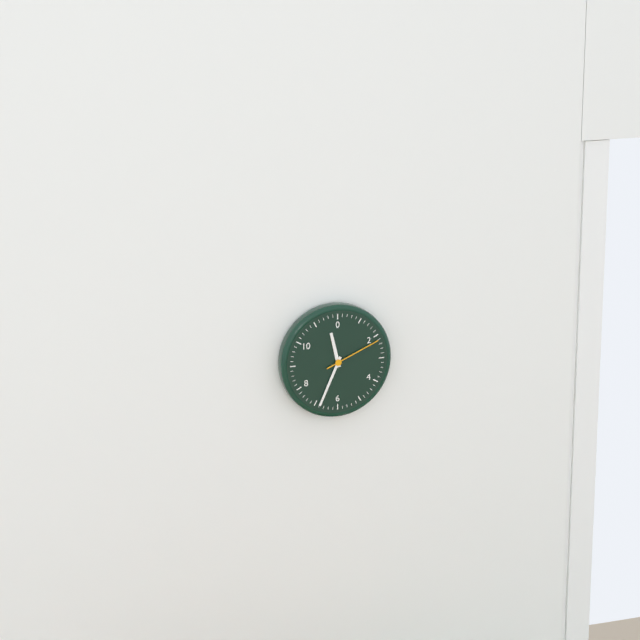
11:34:11
